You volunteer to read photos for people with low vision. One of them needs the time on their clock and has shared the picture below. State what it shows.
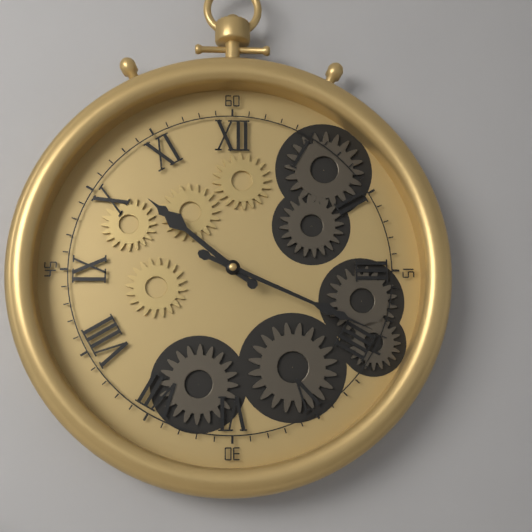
10:19
